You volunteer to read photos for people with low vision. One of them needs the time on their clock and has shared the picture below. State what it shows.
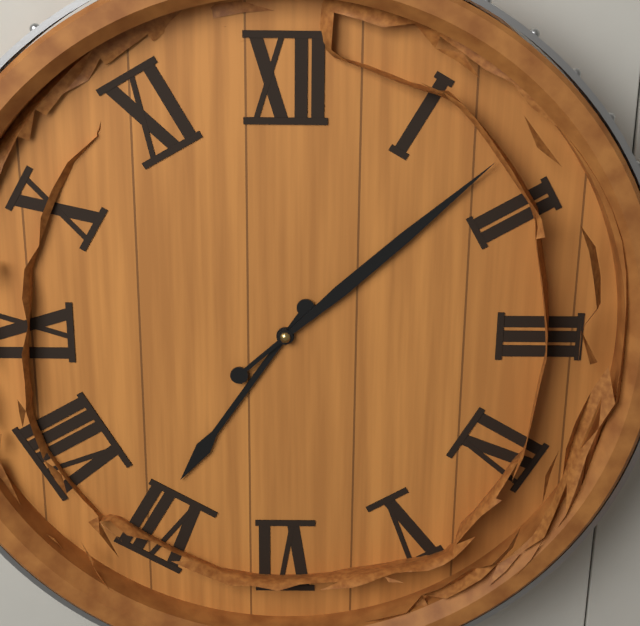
7:08
